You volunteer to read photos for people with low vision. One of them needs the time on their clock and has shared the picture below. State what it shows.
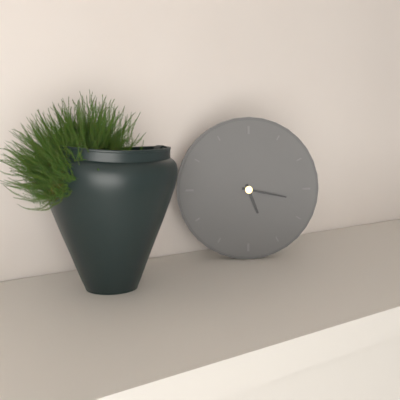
5:17
